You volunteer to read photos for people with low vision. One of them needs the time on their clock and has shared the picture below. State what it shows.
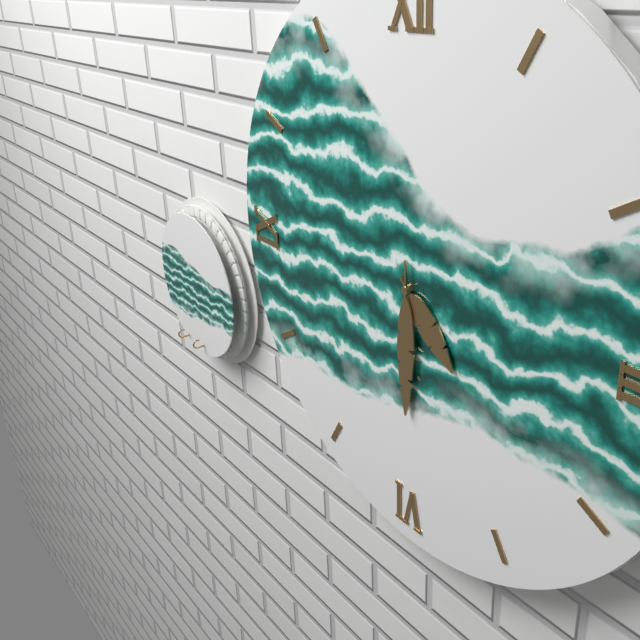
4:30
